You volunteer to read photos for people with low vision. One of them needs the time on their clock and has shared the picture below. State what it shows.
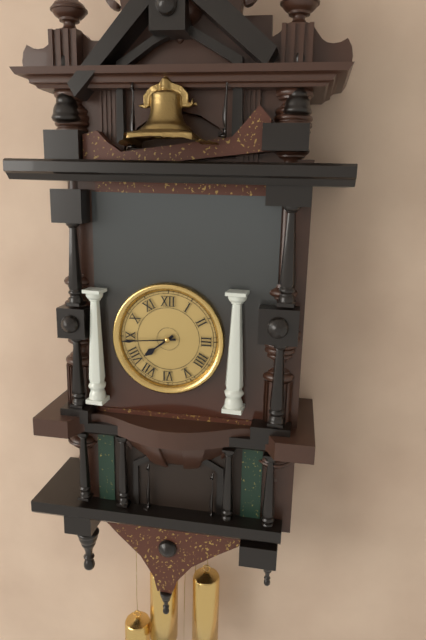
7:44
